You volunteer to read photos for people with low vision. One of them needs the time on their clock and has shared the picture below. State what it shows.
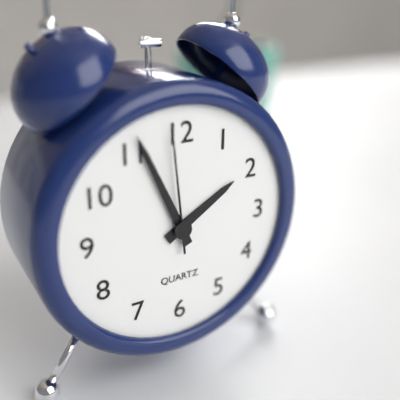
1:56:59
